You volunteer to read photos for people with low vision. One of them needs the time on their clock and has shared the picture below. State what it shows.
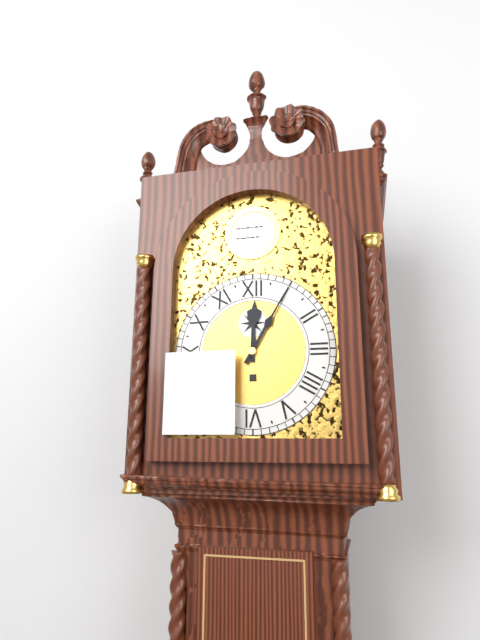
12:05
